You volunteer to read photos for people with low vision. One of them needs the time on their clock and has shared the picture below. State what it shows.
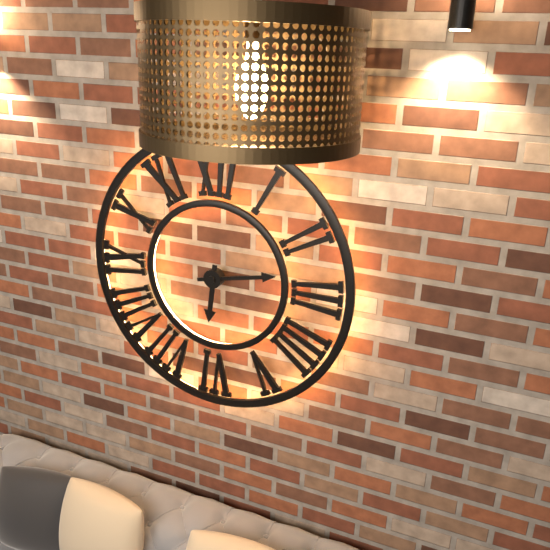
6:13
